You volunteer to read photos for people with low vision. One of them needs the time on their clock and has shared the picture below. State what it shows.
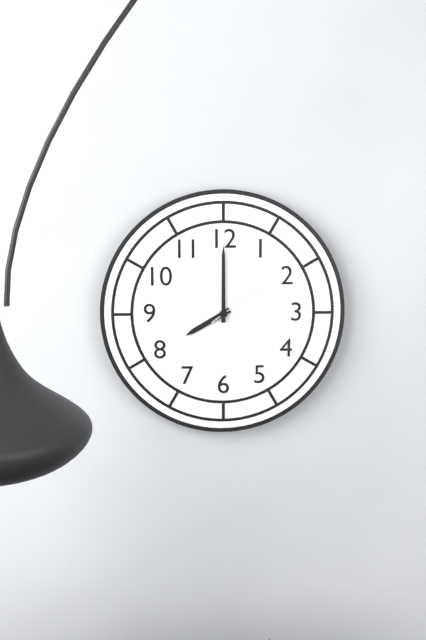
8:00:09
